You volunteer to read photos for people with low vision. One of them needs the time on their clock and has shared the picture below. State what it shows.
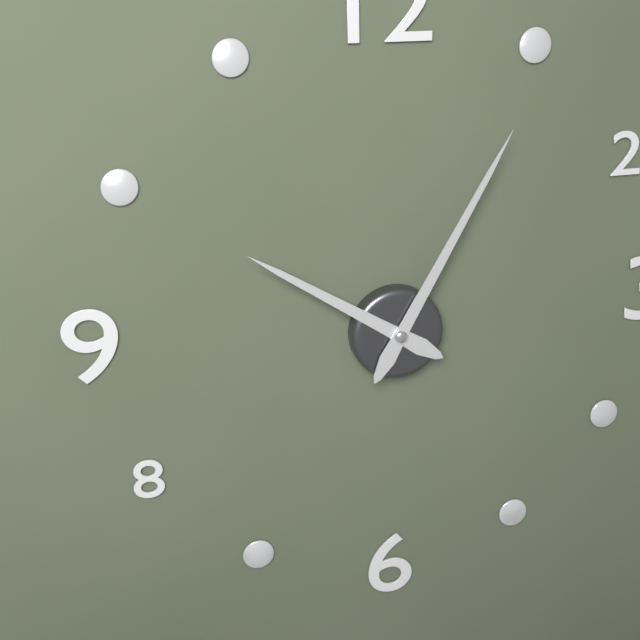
10:05
